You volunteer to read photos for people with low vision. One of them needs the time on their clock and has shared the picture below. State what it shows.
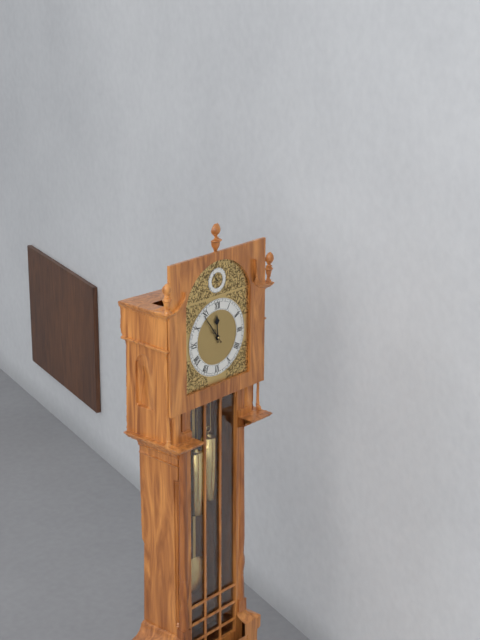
11:54
